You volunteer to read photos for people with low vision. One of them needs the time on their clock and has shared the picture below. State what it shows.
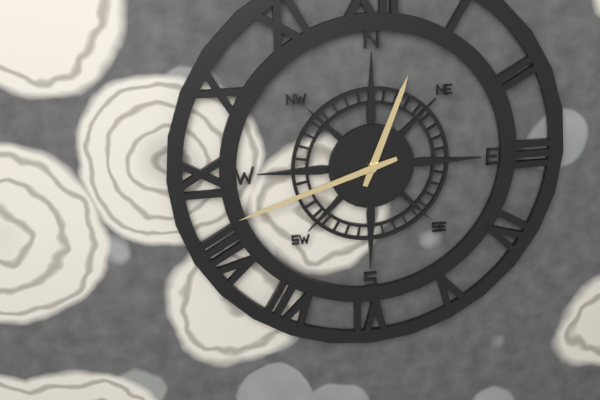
12:42
